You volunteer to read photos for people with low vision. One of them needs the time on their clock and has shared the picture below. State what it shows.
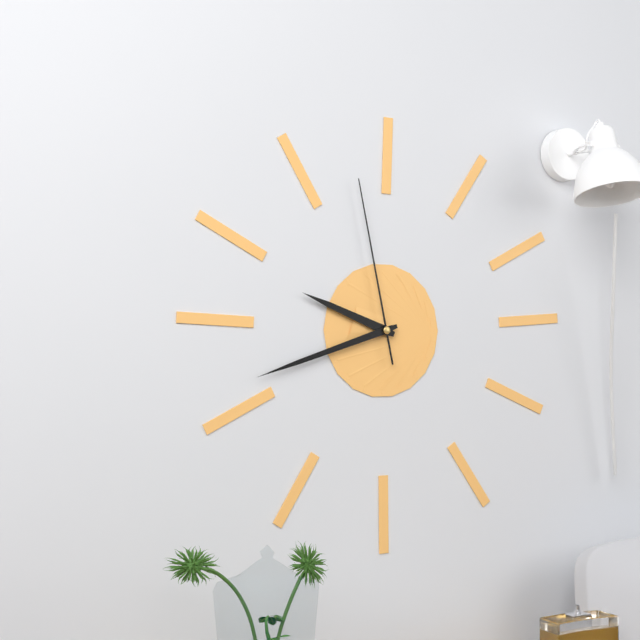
9:42:58
